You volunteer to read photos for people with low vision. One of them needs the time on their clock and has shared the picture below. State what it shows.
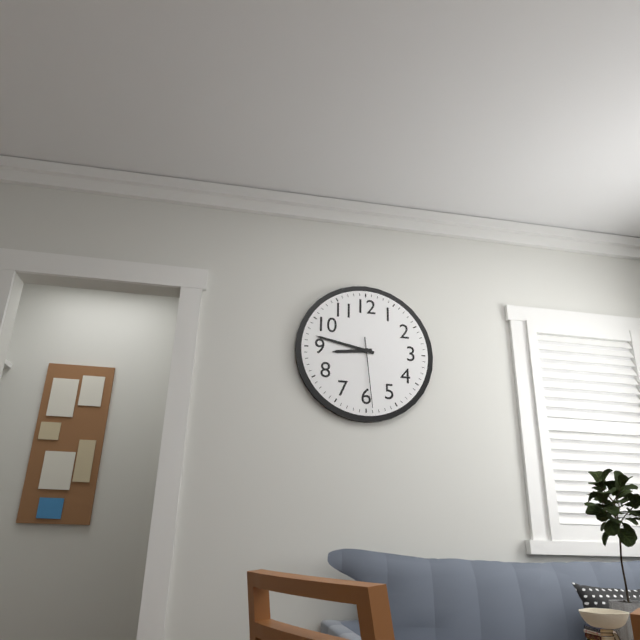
8:47:29
